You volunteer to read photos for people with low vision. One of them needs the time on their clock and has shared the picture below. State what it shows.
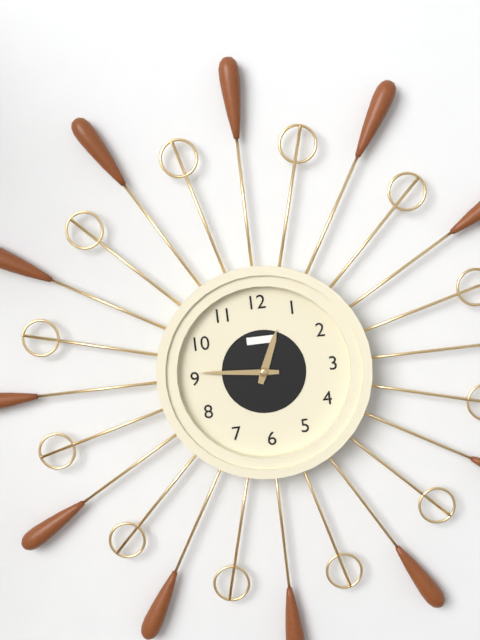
12:46
